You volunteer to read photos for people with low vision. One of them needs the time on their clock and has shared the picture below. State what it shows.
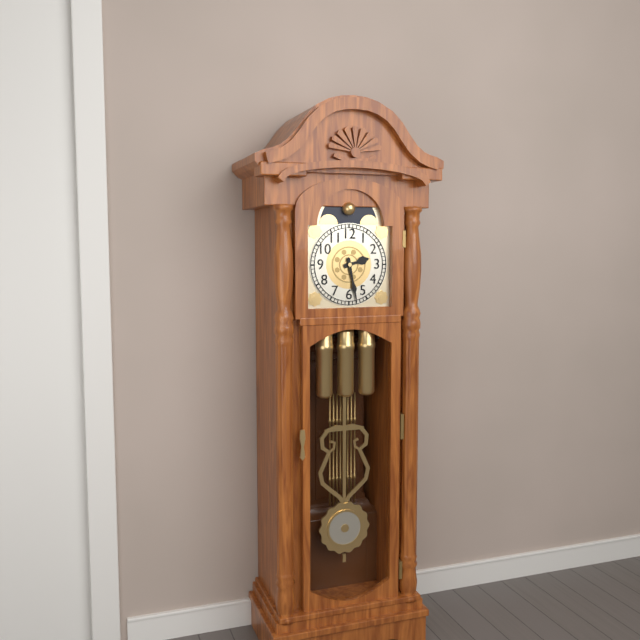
2:28
